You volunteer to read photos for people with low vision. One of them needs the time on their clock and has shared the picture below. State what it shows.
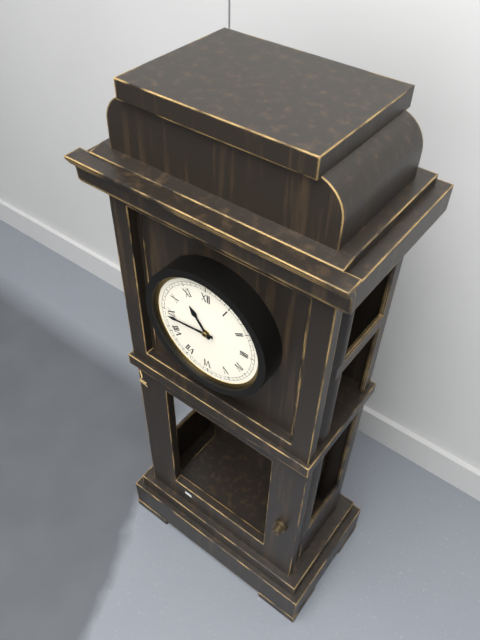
10:44
